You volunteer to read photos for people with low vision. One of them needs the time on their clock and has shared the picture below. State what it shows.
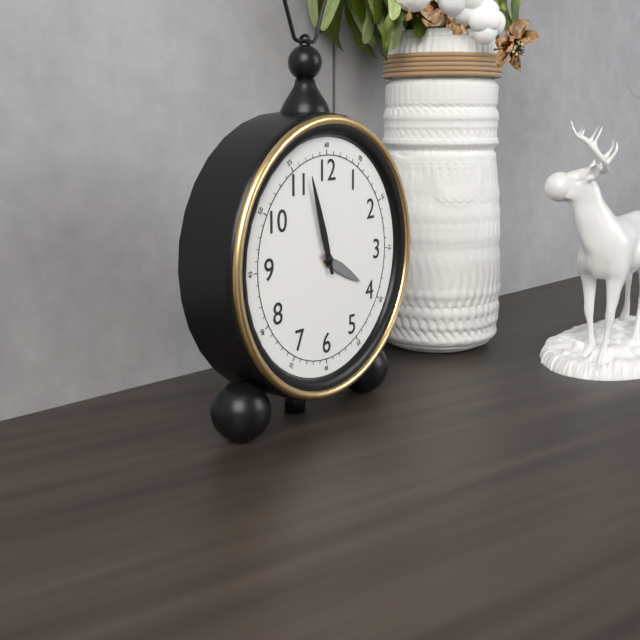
3:57
